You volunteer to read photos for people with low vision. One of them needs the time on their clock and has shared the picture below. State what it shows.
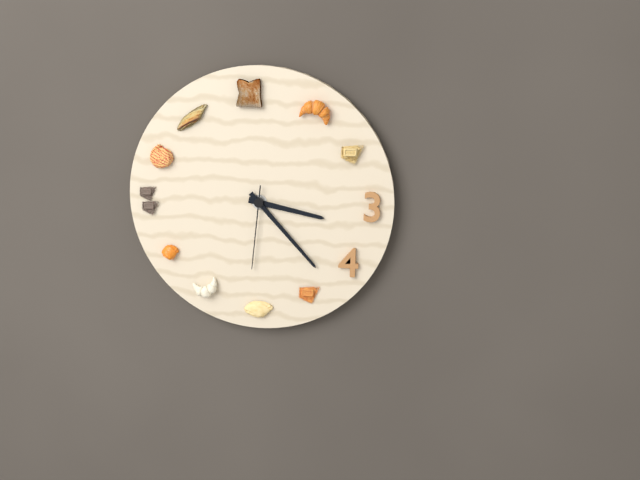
3:23:31
